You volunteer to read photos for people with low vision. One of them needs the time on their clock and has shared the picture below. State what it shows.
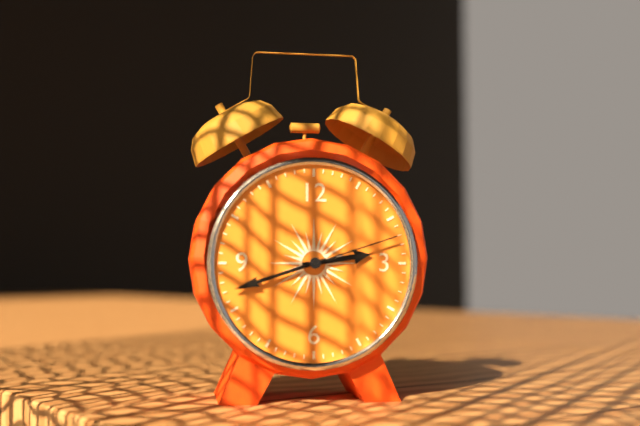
2:42:12
